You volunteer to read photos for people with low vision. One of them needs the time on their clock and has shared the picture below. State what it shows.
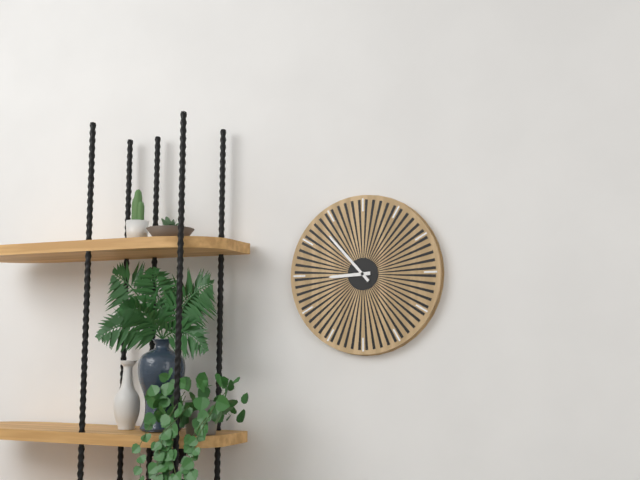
8:53
